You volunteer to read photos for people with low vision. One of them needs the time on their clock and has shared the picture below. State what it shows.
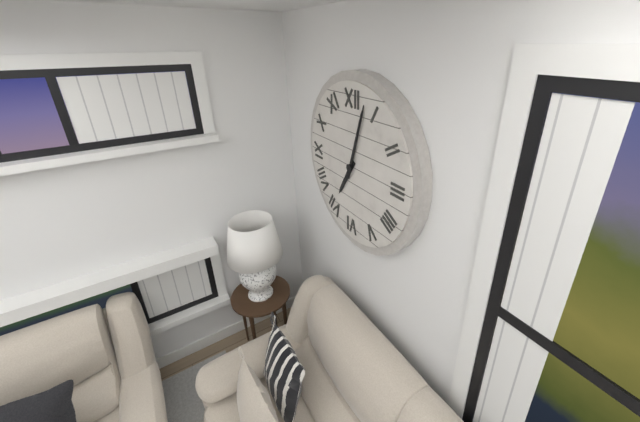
7:03
